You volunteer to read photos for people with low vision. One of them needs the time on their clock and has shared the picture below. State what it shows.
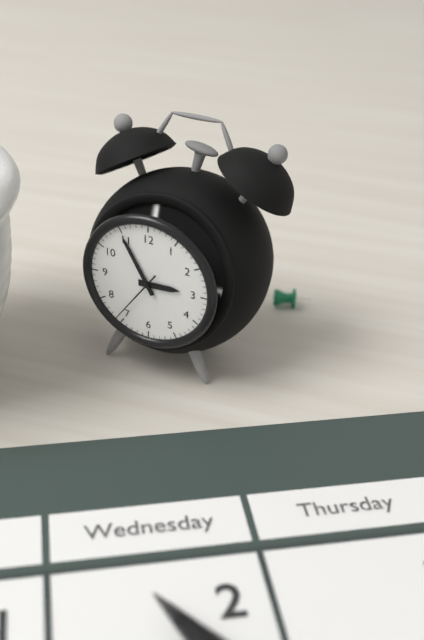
2:55:36
